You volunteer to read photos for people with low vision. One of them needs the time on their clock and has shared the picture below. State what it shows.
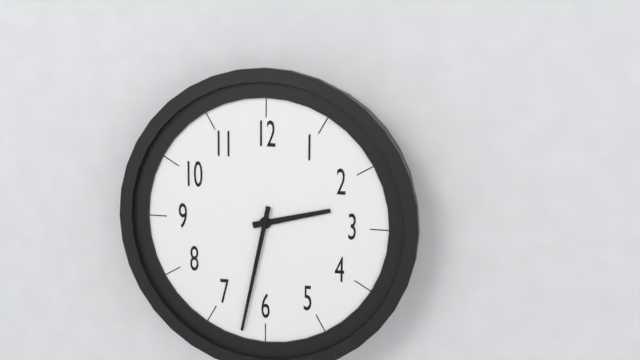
2:32
